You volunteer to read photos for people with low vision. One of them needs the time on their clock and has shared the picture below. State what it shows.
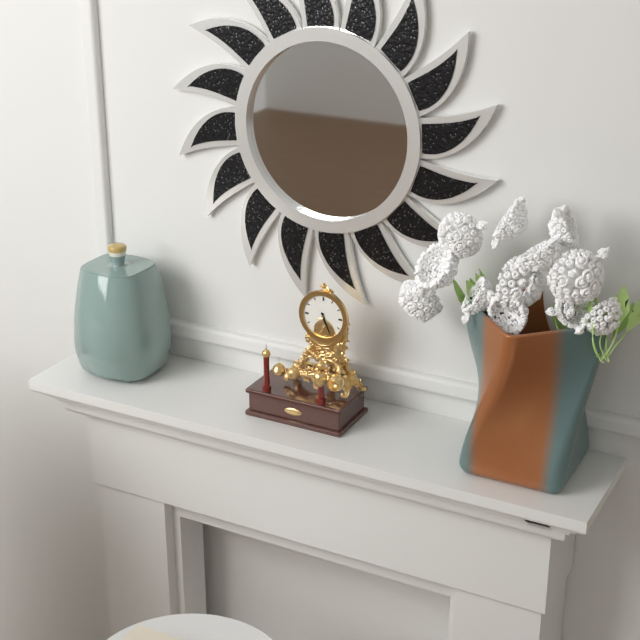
5:26
